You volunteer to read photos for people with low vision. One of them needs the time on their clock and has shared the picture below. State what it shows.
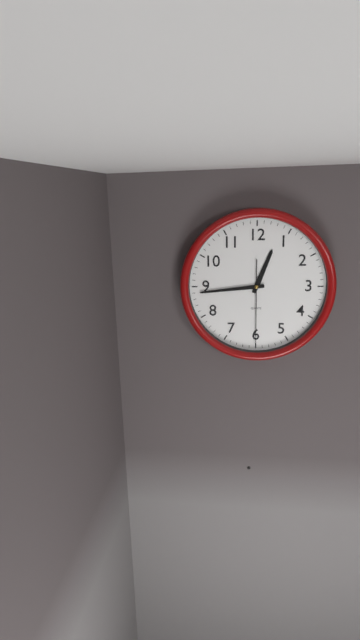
12:44:30
